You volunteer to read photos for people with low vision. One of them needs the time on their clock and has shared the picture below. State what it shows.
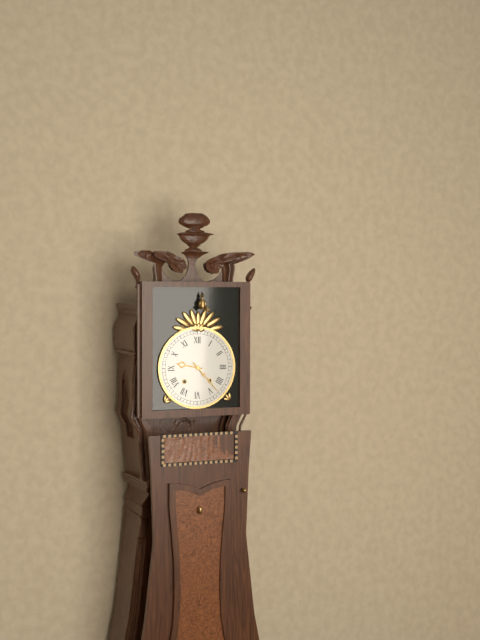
9:23
